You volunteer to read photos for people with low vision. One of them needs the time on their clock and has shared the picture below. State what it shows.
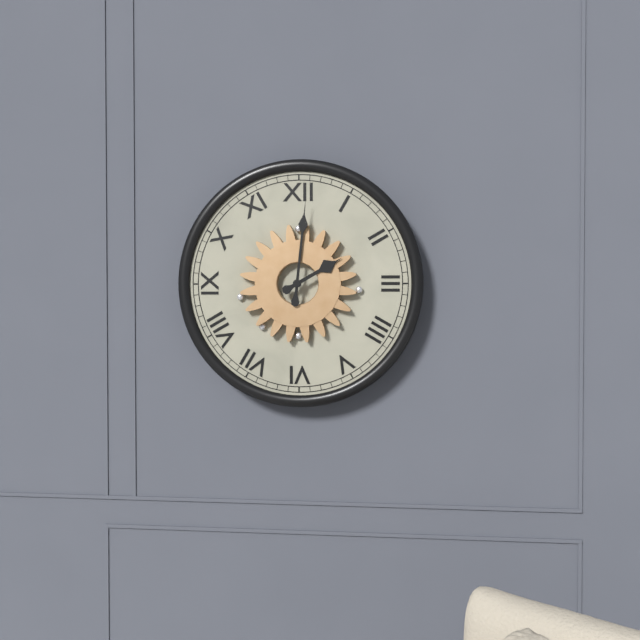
2:01
